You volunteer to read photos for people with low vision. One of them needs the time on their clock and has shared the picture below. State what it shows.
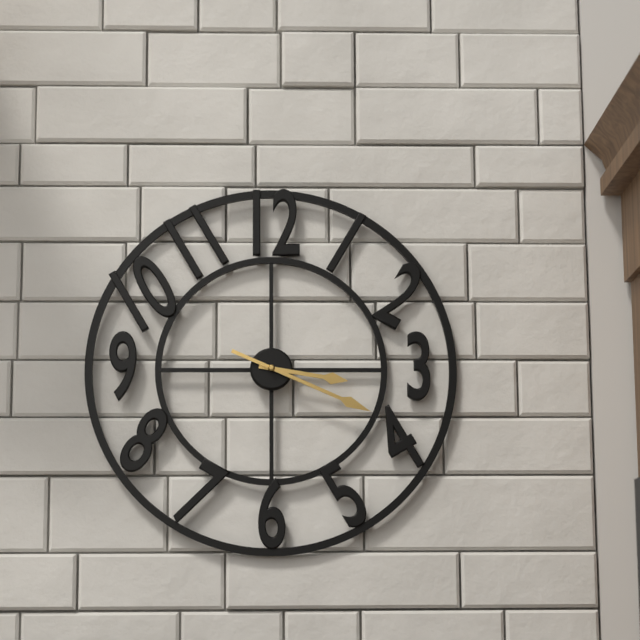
3:19
